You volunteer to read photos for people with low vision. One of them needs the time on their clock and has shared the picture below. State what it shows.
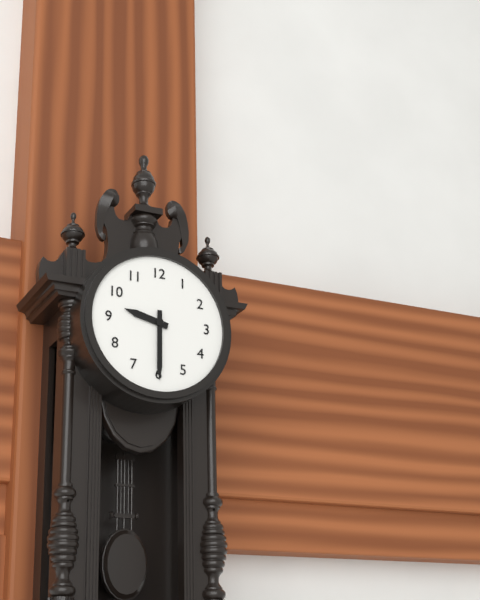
9:30
